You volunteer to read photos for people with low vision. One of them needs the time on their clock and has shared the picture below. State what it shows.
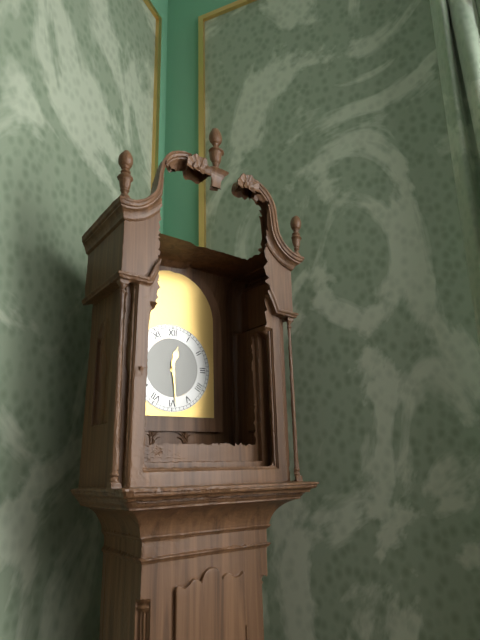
12:29
